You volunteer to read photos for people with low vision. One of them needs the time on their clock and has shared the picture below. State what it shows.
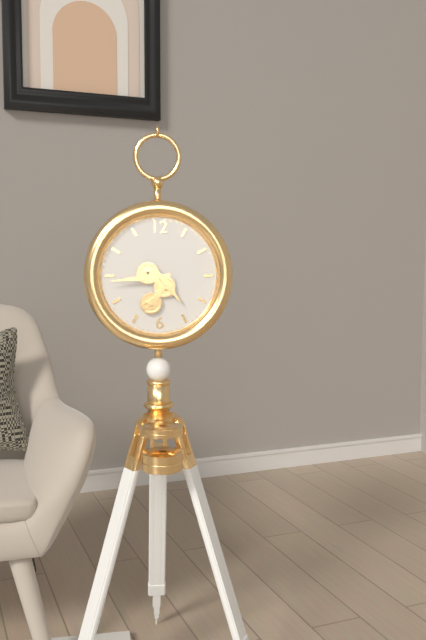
4:44
